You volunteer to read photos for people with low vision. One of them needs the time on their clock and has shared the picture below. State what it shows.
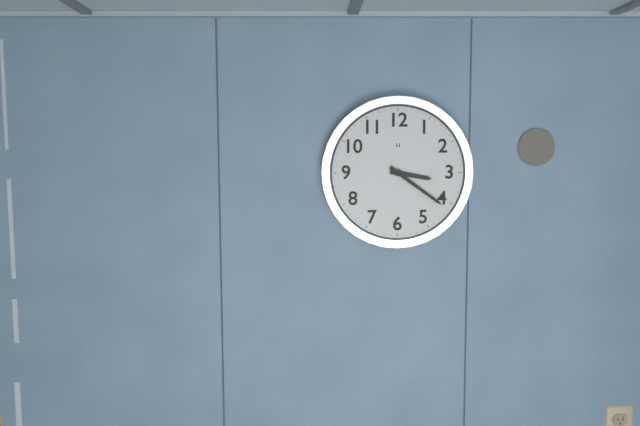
3:21
